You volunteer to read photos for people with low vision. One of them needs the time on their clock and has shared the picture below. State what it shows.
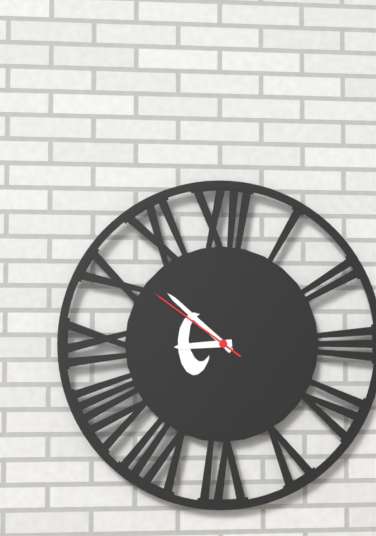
8:52:51
